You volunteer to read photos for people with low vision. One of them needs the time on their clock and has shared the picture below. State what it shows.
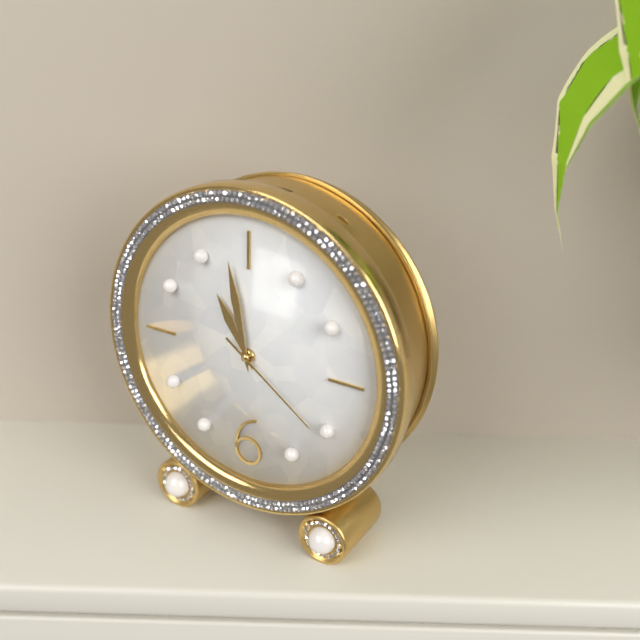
10:58:21
